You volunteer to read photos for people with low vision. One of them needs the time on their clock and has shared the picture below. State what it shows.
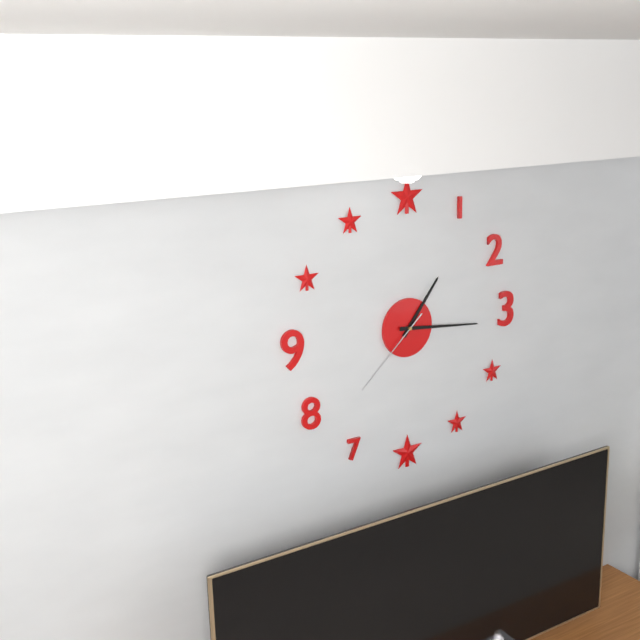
1:16:38
